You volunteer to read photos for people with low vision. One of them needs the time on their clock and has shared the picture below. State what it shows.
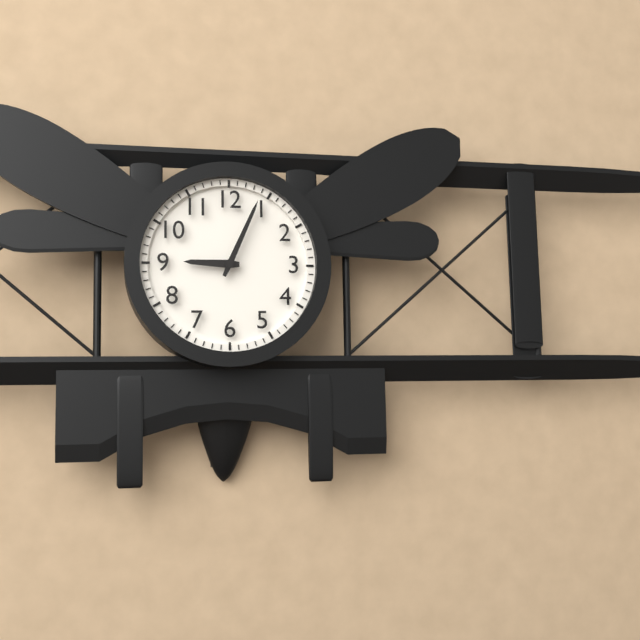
9:04
